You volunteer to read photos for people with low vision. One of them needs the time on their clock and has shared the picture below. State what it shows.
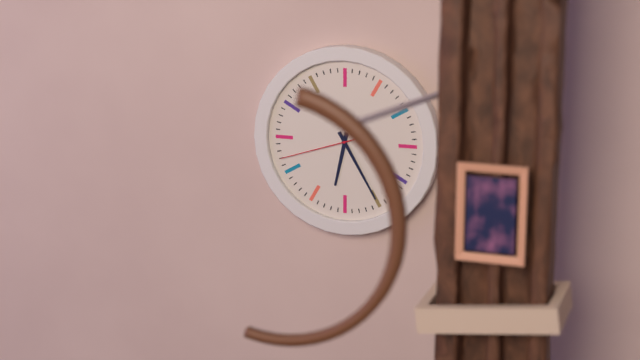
6:25:42
